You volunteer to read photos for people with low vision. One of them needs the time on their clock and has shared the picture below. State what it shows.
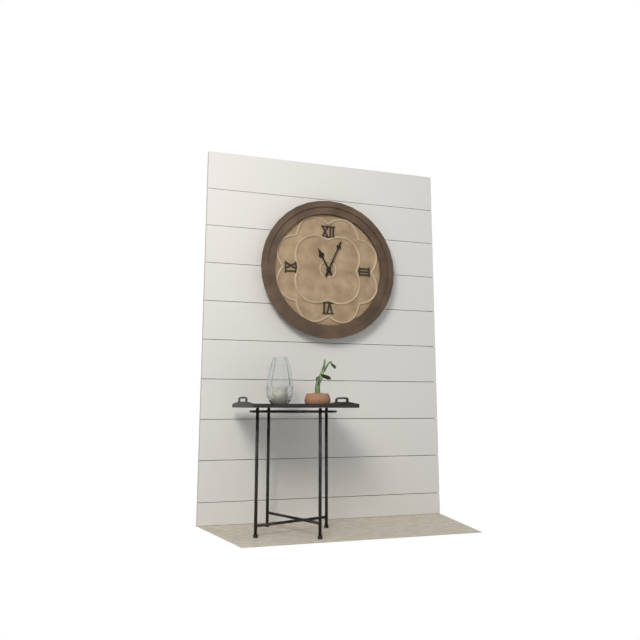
11:04
